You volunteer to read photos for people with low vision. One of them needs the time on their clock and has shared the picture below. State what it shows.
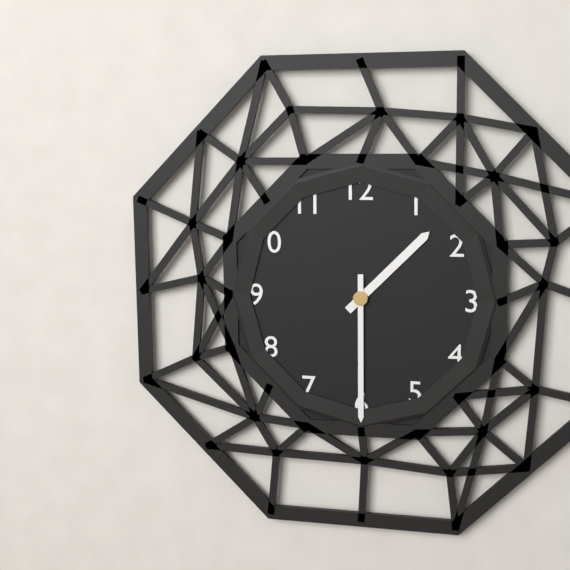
1:30
